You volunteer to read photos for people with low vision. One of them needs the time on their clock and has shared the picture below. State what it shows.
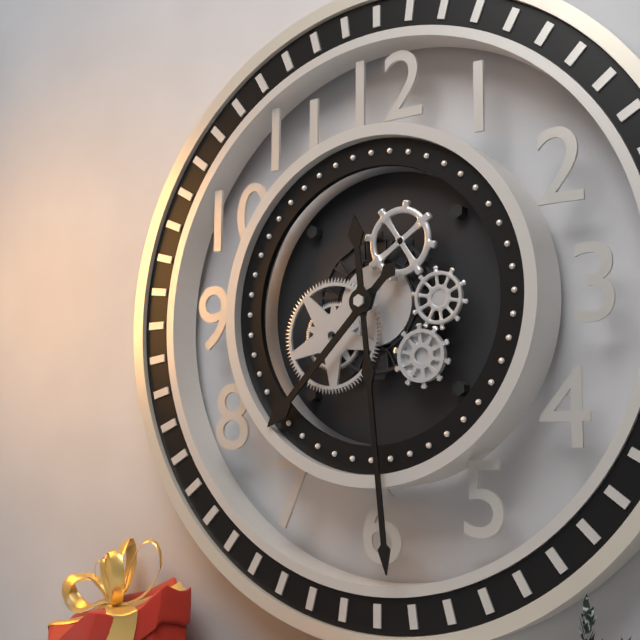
7:29
